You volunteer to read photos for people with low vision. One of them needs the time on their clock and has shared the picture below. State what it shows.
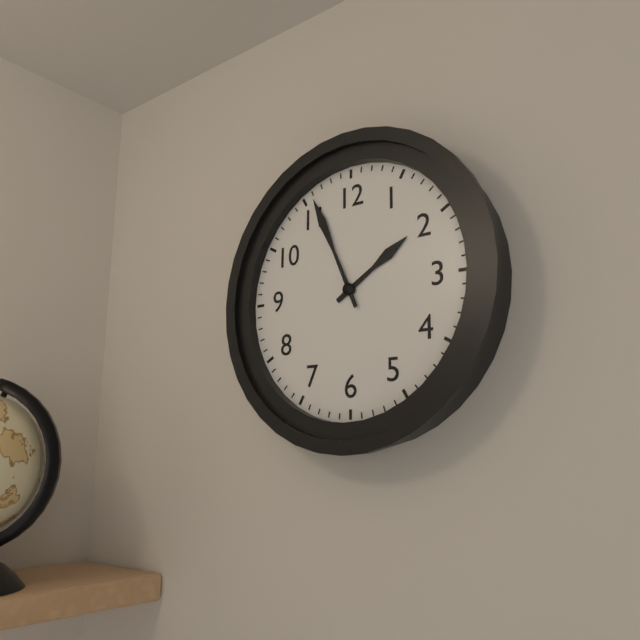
1:56
